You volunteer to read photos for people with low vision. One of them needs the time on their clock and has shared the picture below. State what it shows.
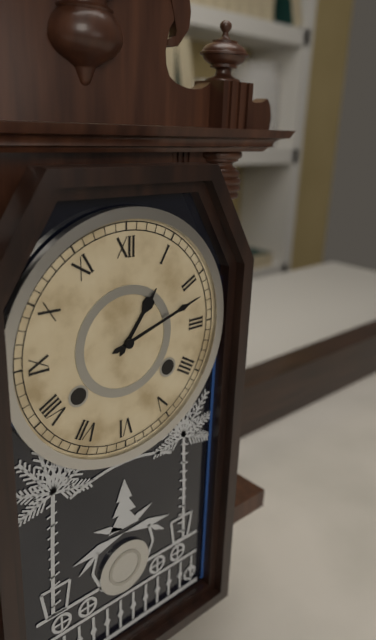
1:12
